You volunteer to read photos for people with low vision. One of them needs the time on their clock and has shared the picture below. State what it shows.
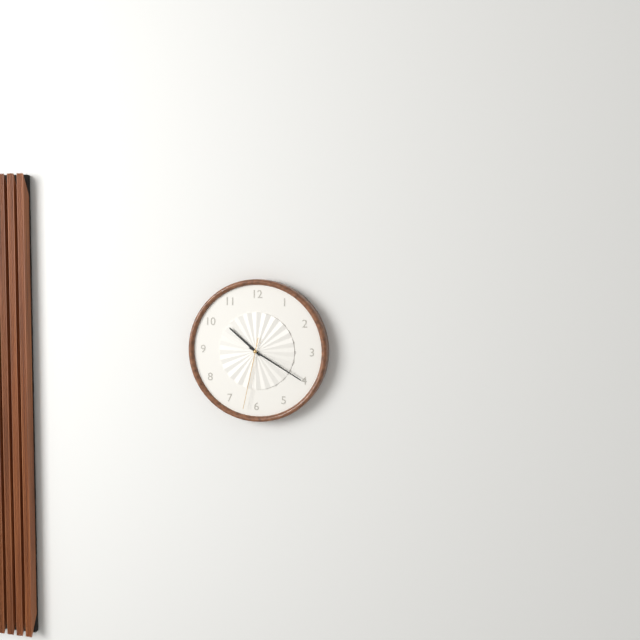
10:20:32
